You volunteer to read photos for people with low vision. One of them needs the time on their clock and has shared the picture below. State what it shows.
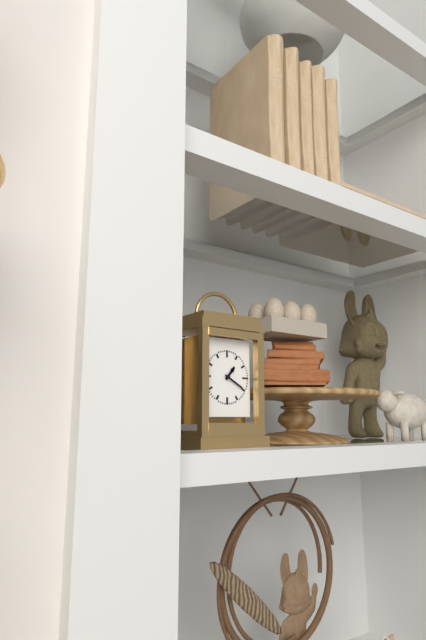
1:20
